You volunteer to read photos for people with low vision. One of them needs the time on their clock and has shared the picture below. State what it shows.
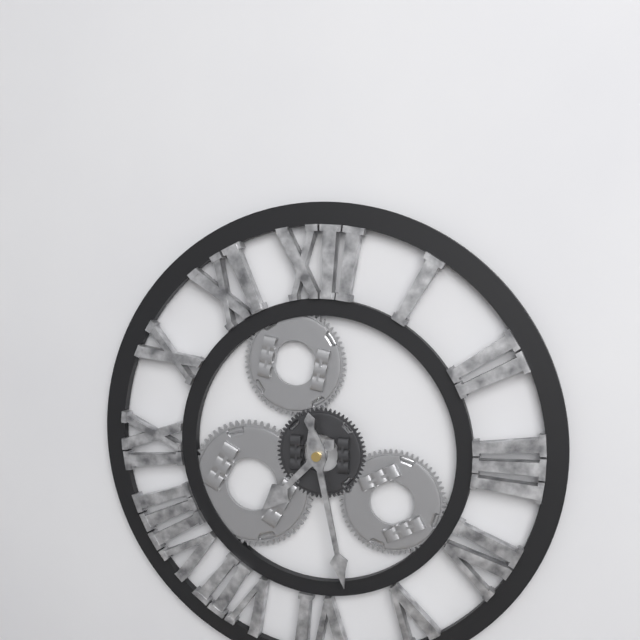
7:28
